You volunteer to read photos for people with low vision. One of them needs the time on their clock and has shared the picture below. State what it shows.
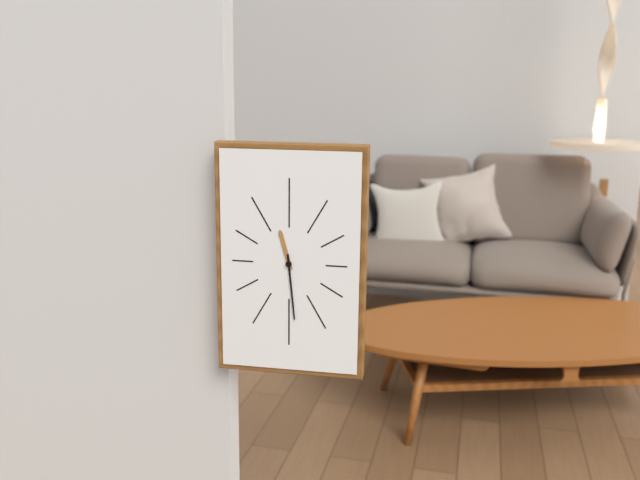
11:29
